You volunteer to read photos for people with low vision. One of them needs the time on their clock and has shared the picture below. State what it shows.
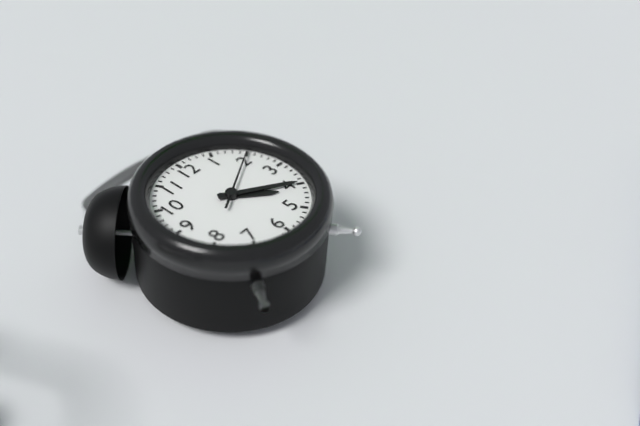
4:20:10
